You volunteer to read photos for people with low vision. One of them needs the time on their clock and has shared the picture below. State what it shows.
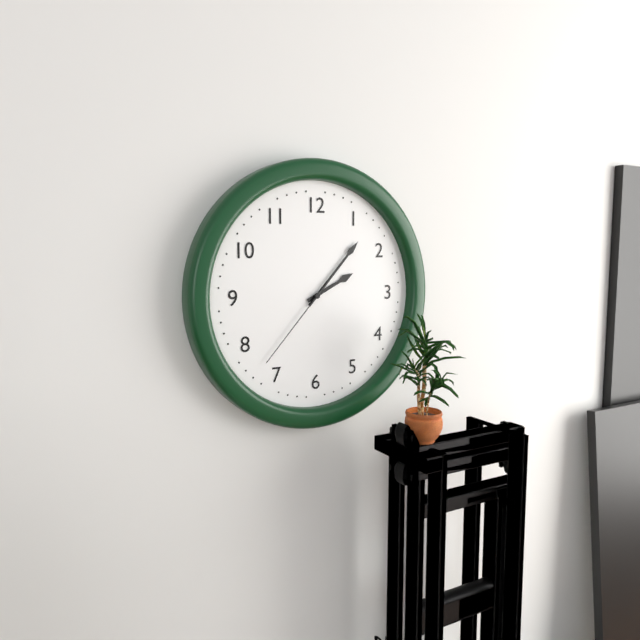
2:07:37
